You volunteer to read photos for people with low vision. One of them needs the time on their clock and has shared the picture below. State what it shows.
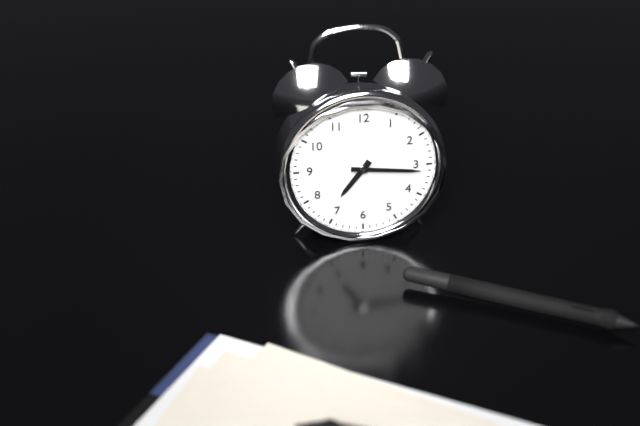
7:16
